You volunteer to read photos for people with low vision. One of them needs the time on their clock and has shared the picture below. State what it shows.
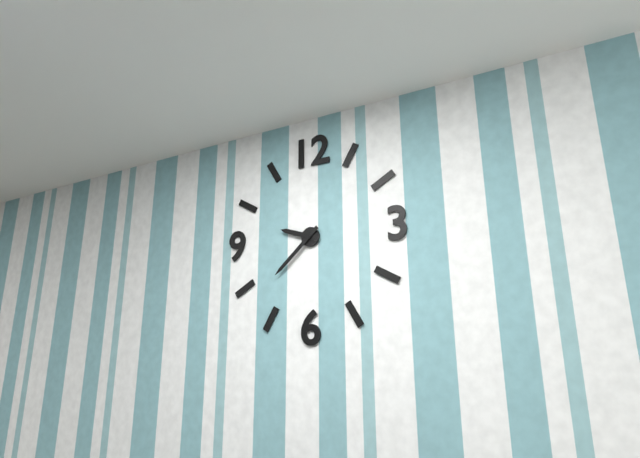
9:38
